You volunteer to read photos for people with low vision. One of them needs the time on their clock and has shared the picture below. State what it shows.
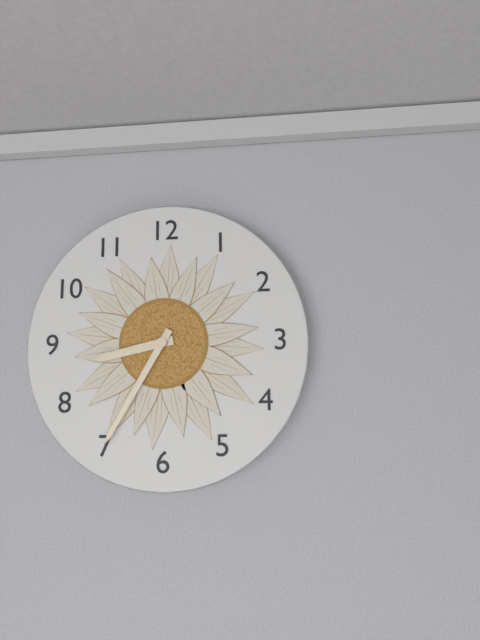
8:35
